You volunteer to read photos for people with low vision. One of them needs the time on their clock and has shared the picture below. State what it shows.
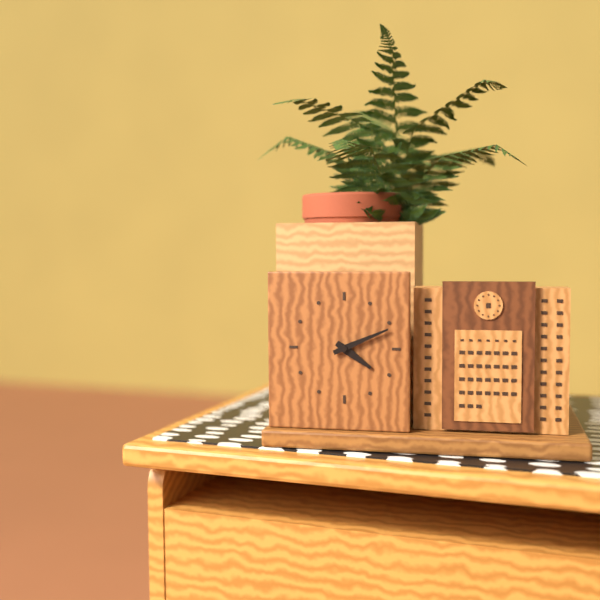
4:11
